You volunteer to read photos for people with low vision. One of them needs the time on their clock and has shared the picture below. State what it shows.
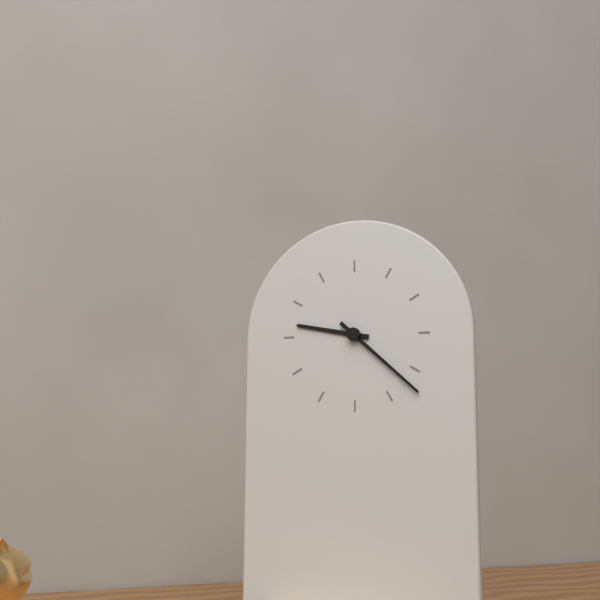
9:22
